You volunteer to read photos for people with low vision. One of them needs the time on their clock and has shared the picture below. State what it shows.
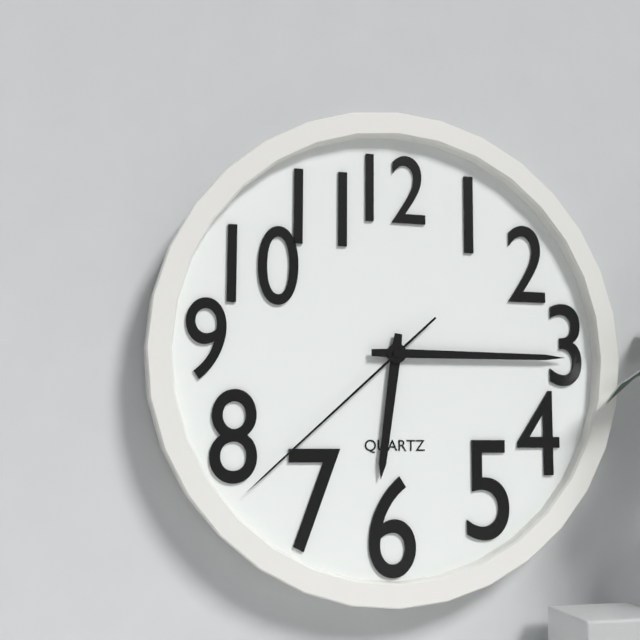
6:15:38
